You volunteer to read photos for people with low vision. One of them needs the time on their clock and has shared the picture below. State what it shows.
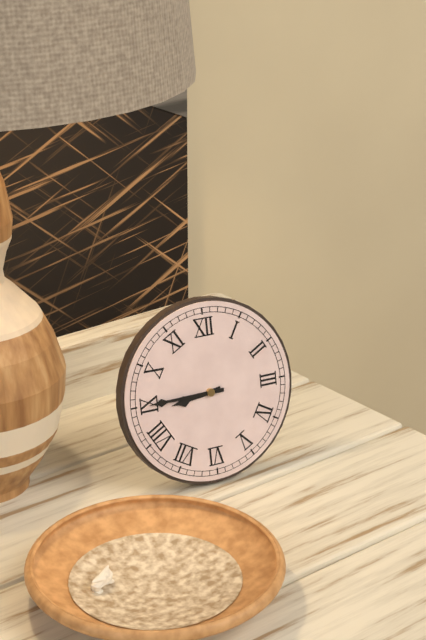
8:45
